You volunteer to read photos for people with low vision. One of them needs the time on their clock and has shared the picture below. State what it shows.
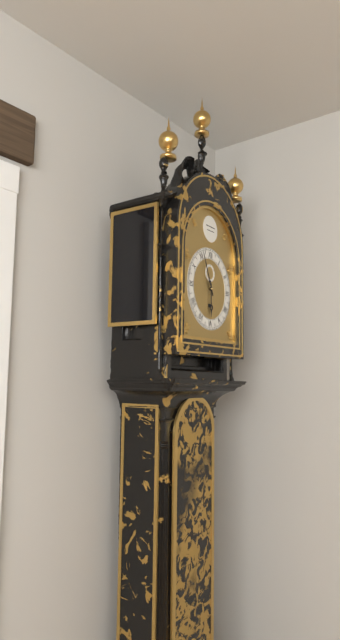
5:56
